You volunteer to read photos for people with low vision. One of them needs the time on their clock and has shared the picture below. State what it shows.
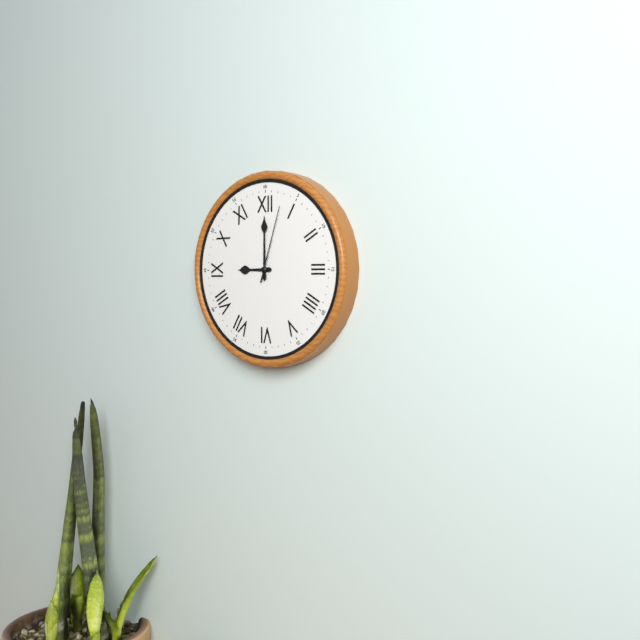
9:00:03
